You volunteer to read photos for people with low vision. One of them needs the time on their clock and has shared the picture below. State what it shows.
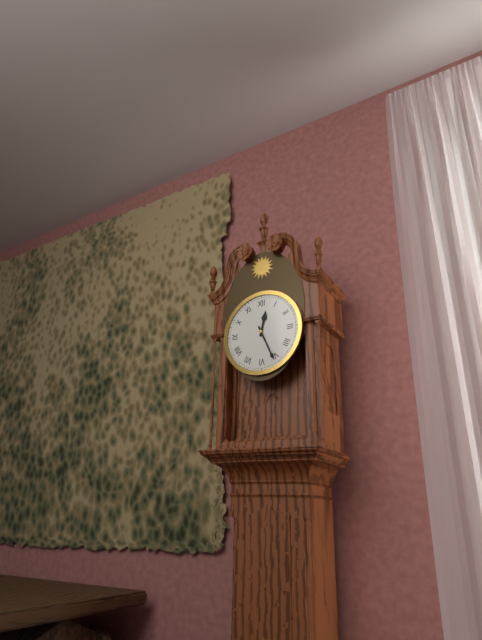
12:26
